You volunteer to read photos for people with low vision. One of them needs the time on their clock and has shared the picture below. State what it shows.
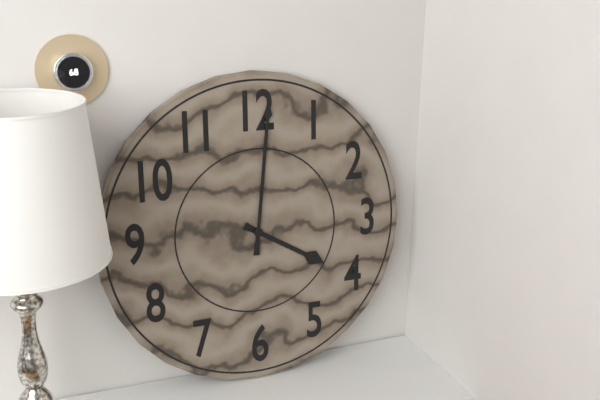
4:01
